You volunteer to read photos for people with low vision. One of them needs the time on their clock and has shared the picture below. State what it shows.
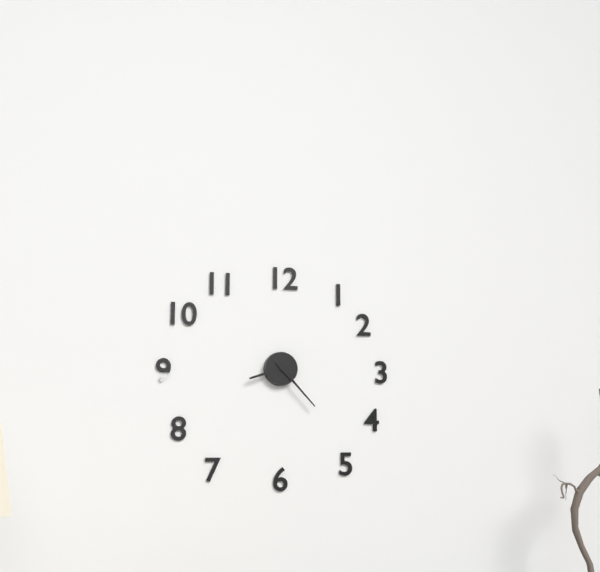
8:23
